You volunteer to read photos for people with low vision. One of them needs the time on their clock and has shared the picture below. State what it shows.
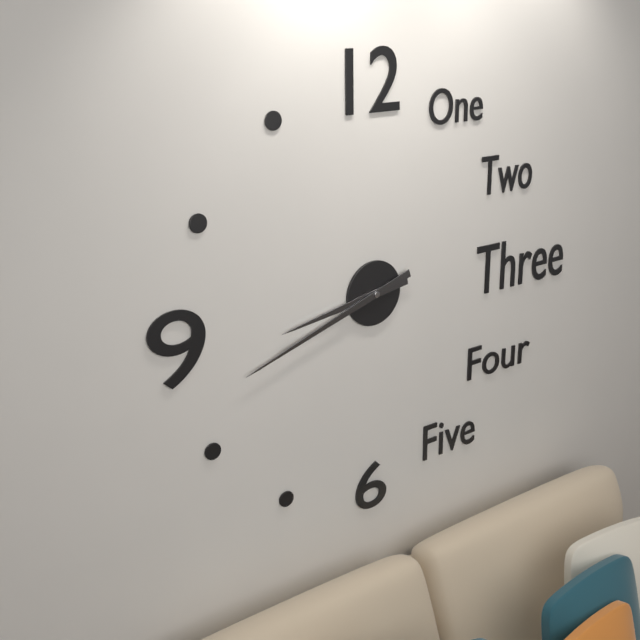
8:42
